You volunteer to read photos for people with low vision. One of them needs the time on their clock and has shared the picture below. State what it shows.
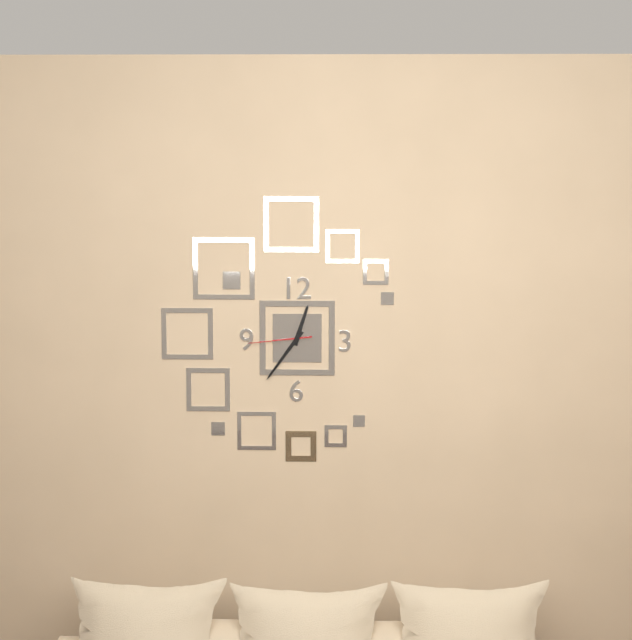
12:36:44
